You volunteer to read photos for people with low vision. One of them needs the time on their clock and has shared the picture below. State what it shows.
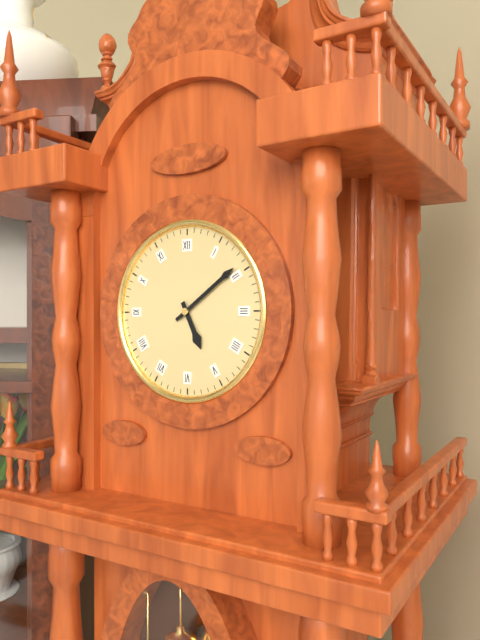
5:09
